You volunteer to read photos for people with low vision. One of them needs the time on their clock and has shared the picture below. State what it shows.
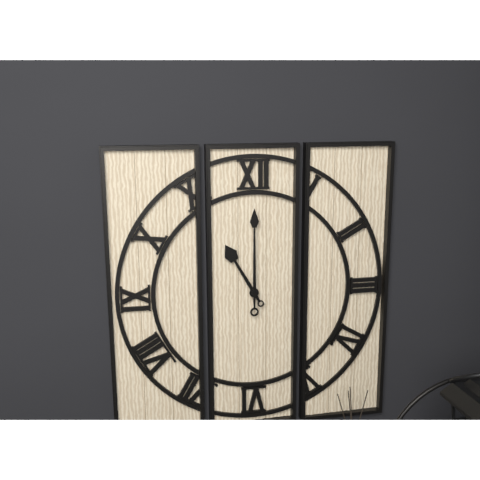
11:00
